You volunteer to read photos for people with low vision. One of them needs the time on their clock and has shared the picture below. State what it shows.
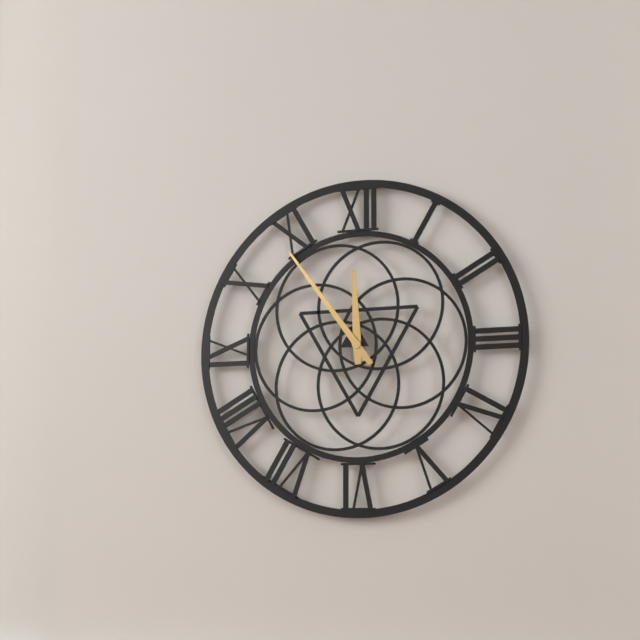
11:54
